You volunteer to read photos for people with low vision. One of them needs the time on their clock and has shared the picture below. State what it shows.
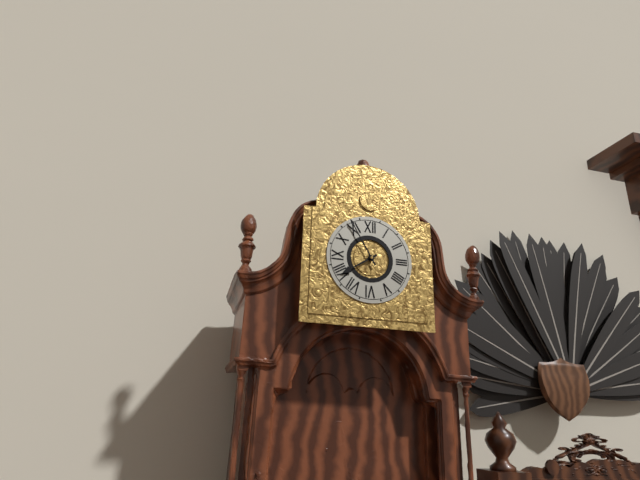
7:55
